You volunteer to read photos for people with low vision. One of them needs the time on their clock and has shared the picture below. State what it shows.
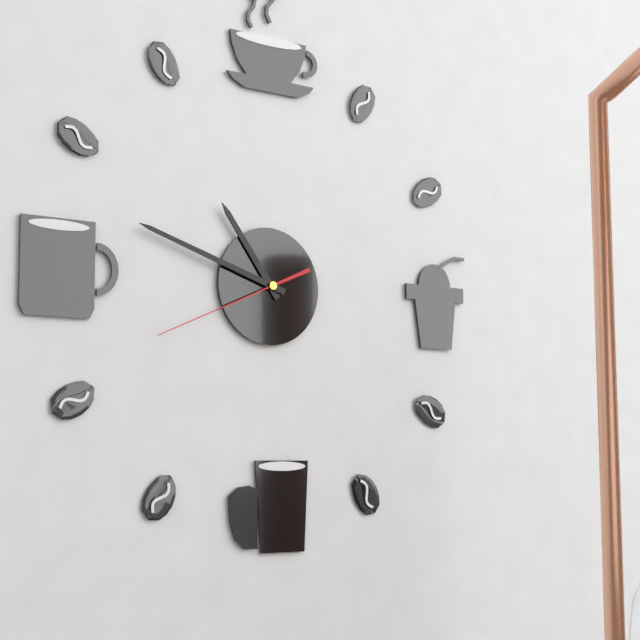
10:48:41
